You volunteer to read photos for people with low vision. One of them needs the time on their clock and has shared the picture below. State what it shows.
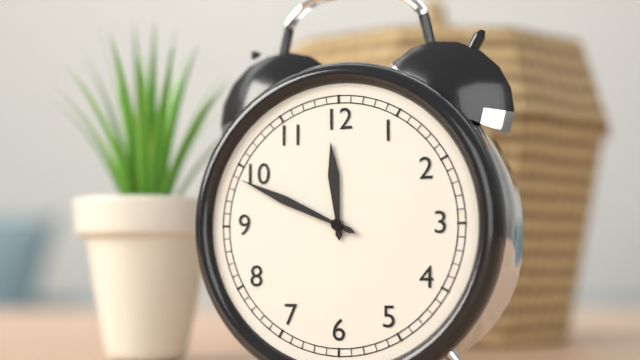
11:49
